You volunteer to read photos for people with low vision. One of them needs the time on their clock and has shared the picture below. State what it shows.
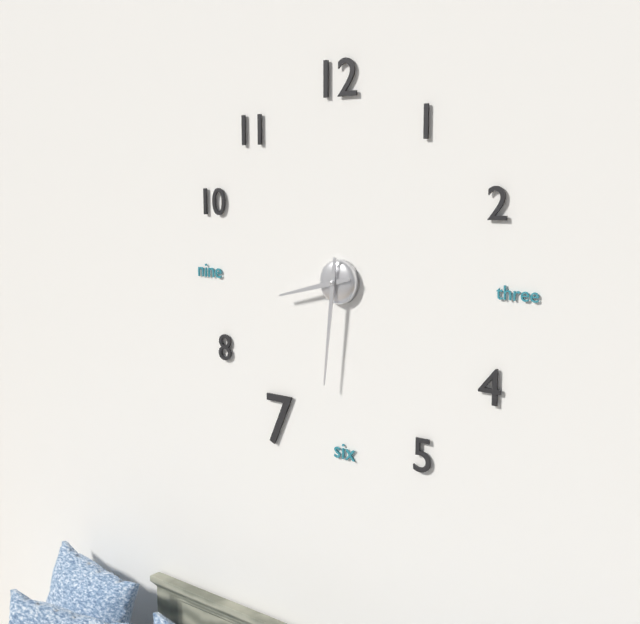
8:31
